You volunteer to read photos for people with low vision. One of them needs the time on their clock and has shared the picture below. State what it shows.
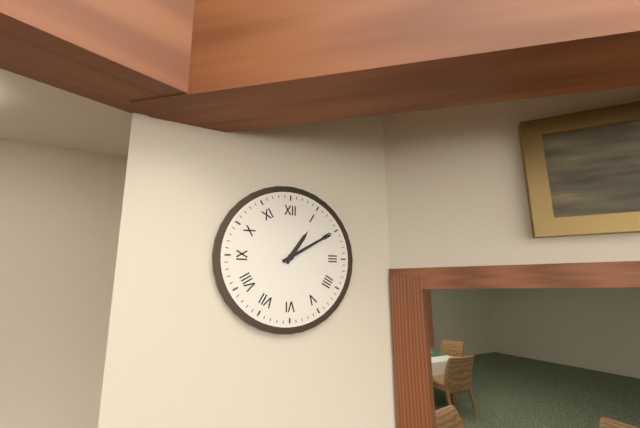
1:10
